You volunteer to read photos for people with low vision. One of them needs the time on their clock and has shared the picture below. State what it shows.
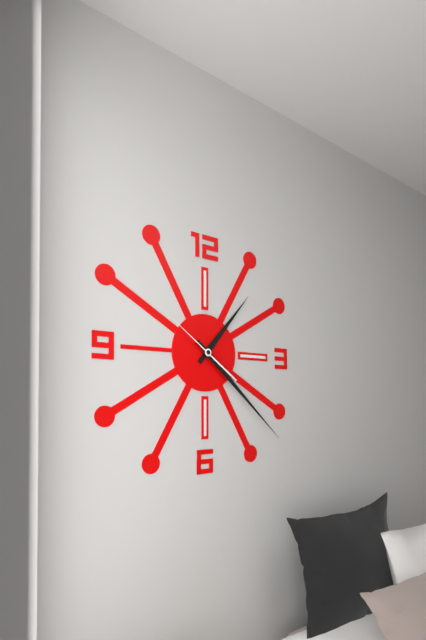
1:22:51
